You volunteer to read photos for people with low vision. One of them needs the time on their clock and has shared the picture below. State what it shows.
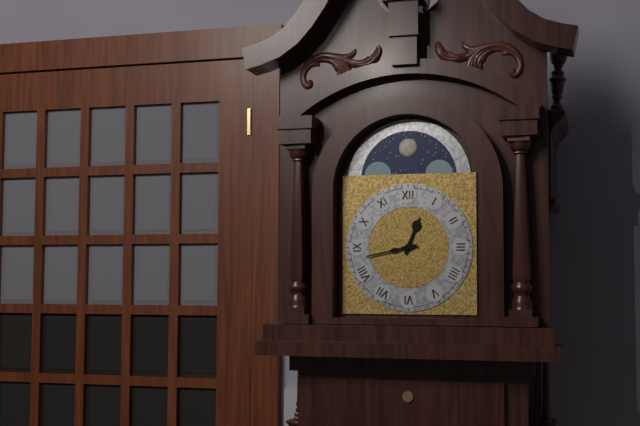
12:43
